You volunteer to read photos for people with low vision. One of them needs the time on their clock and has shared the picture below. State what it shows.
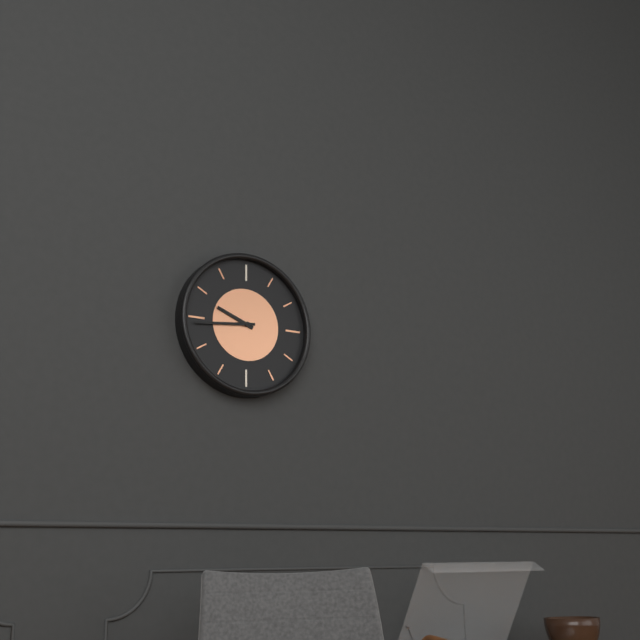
9:44
